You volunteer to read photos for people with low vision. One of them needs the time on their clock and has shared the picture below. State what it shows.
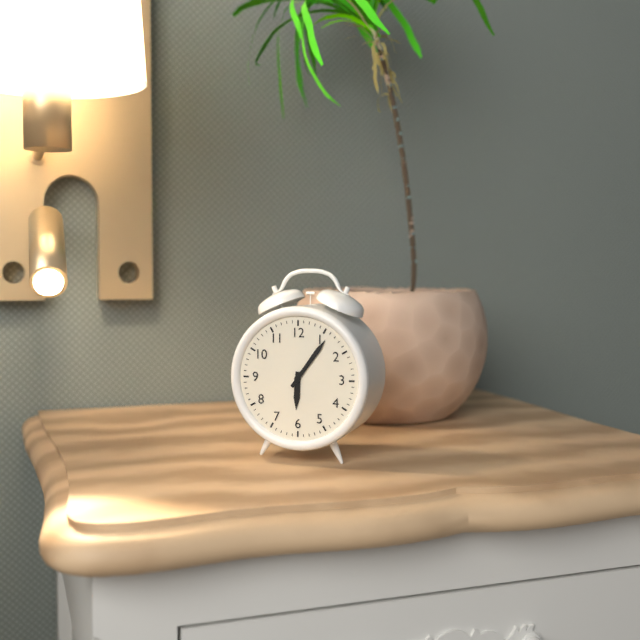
6:06
